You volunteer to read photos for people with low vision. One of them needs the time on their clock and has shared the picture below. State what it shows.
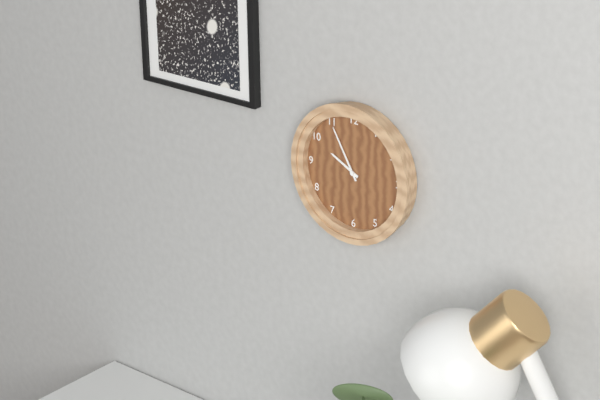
9:55
